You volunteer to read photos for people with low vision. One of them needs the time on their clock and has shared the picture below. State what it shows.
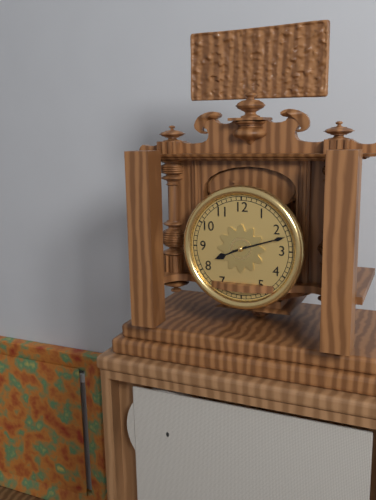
8:12
